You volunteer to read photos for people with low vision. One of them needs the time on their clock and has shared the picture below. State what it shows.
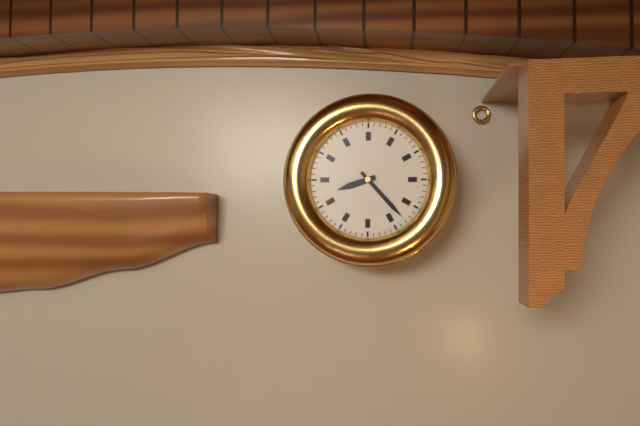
8:23
